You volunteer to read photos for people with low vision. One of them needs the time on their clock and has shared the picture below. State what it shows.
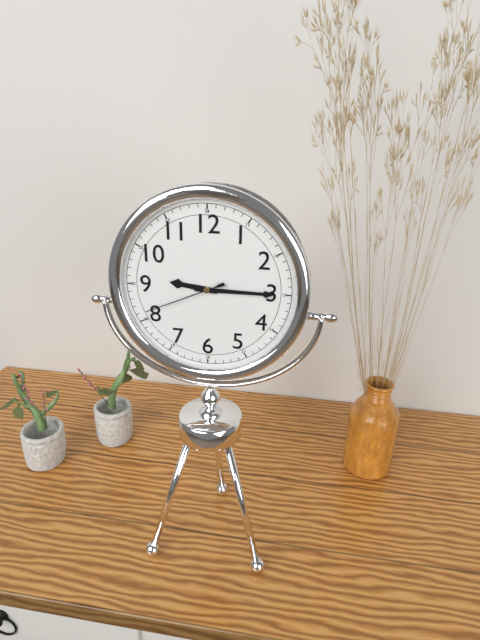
9:15:41
